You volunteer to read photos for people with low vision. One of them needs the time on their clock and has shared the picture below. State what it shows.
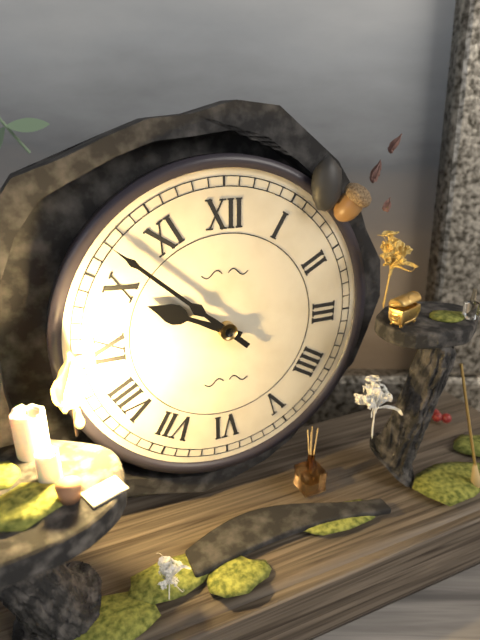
9:52
